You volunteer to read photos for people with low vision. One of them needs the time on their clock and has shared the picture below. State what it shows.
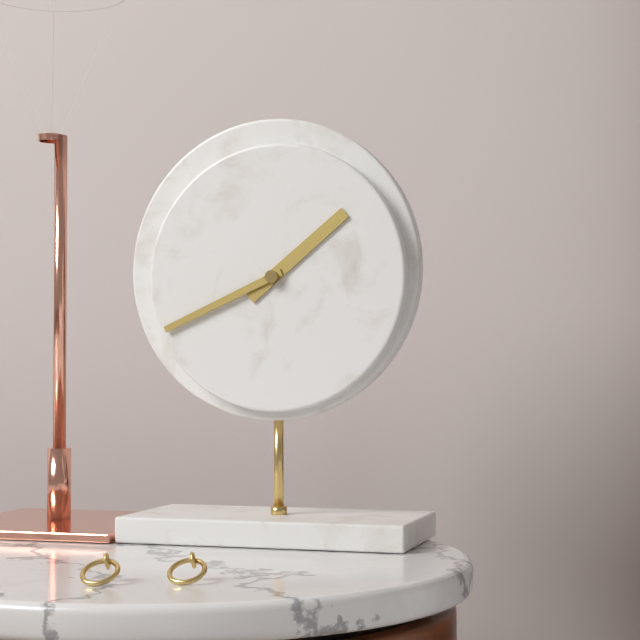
1:41
